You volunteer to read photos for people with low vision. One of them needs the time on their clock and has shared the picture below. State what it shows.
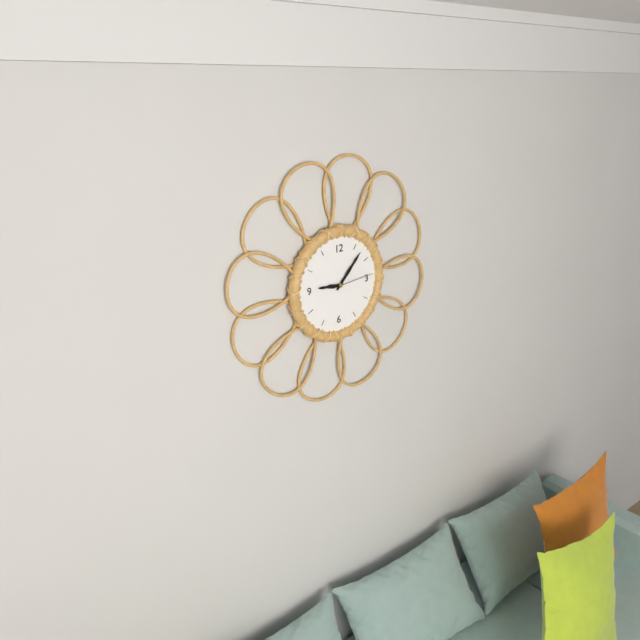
9:07
